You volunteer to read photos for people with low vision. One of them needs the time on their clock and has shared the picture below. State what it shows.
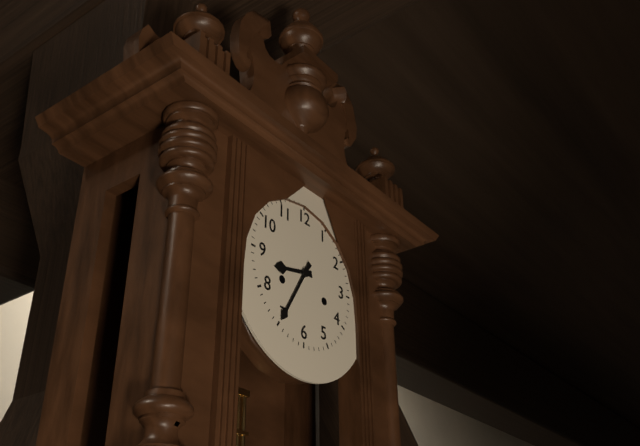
8:35
